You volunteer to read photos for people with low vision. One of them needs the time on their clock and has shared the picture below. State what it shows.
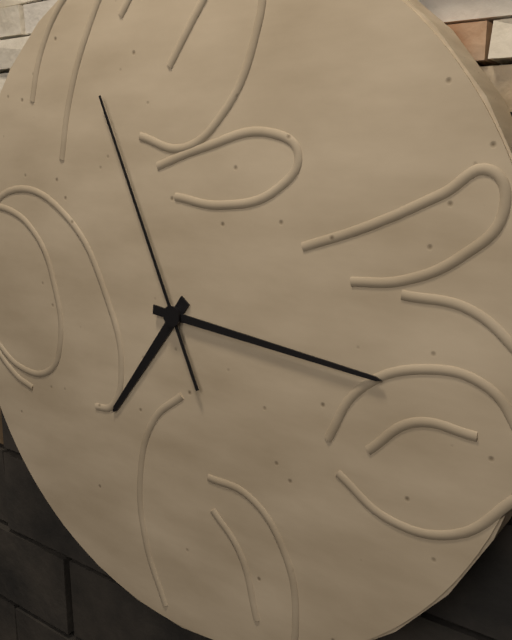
7:16:56
